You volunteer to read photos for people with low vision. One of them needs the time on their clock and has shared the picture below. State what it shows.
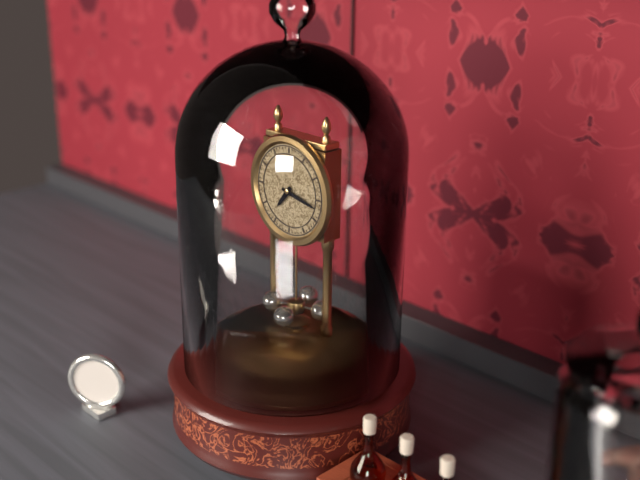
7:17
